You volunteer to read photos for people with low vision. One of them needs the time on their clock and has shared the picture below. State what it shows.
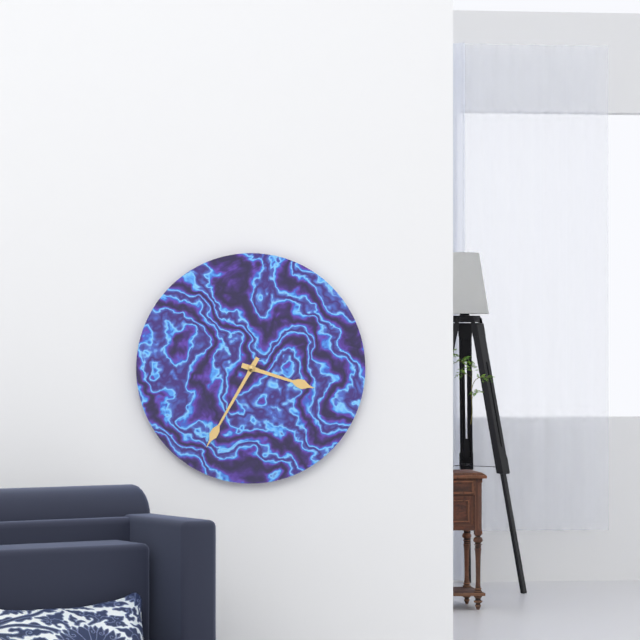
3:35
